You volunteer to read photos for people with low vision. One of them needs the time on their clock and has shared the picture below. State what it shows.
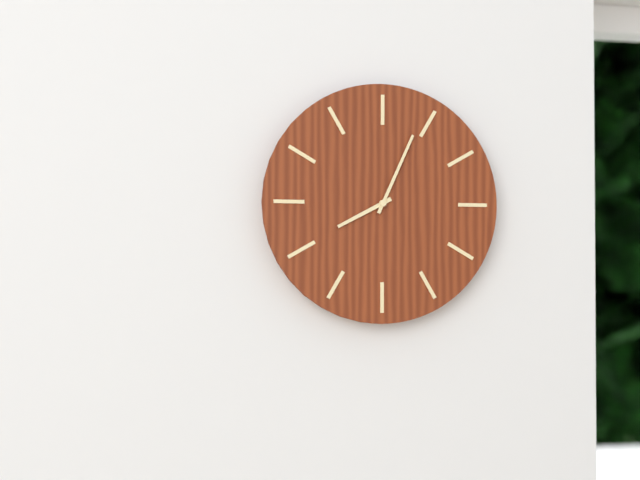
8:04
